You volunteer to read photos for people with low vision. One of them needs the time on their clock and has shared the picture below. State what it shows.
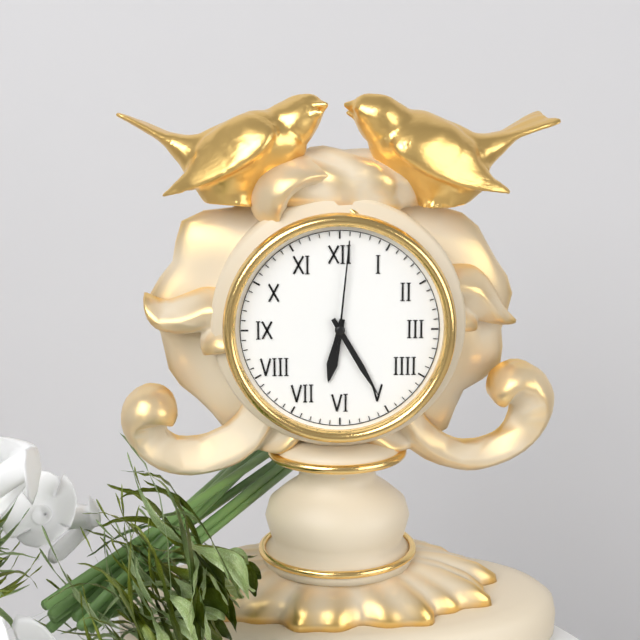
6:25:01
